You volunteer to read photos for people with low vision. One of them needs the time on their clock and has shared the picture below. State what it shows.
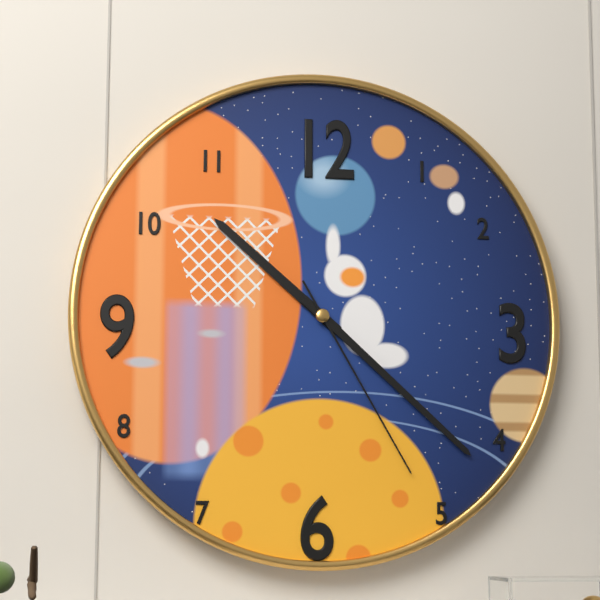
10:22:25
